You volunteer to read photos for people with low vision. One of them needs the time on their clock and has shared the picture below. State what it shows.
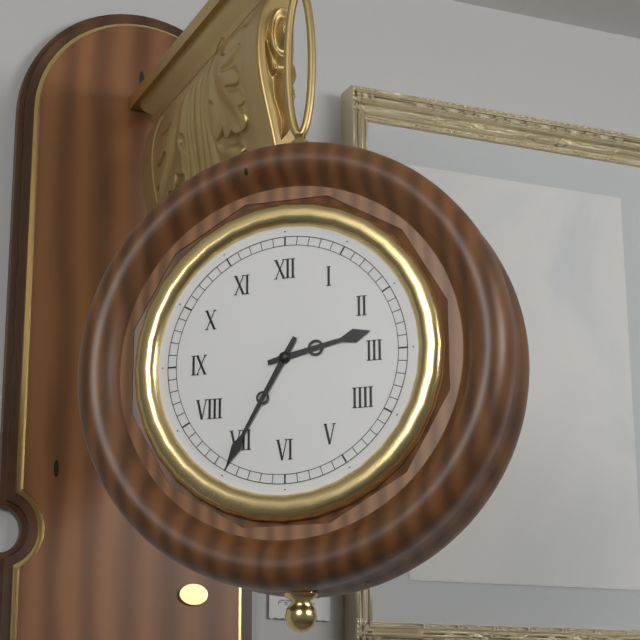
2:35
